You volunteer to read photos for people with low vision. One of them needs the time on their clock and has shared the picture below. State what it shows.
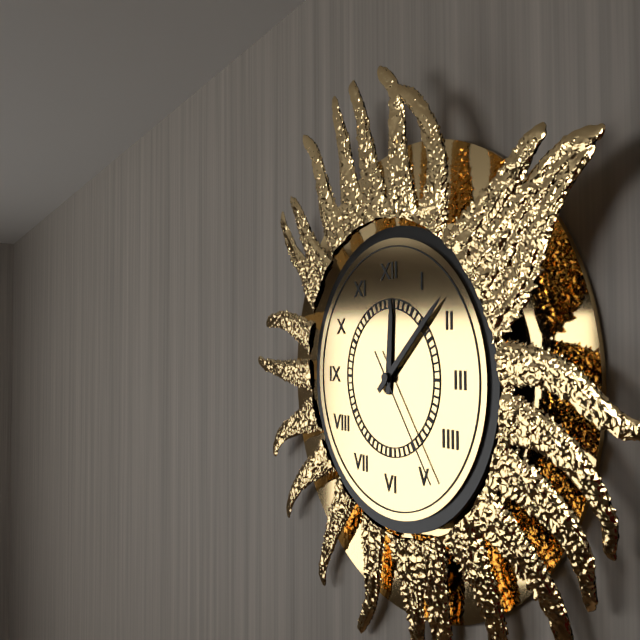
12:08:24
